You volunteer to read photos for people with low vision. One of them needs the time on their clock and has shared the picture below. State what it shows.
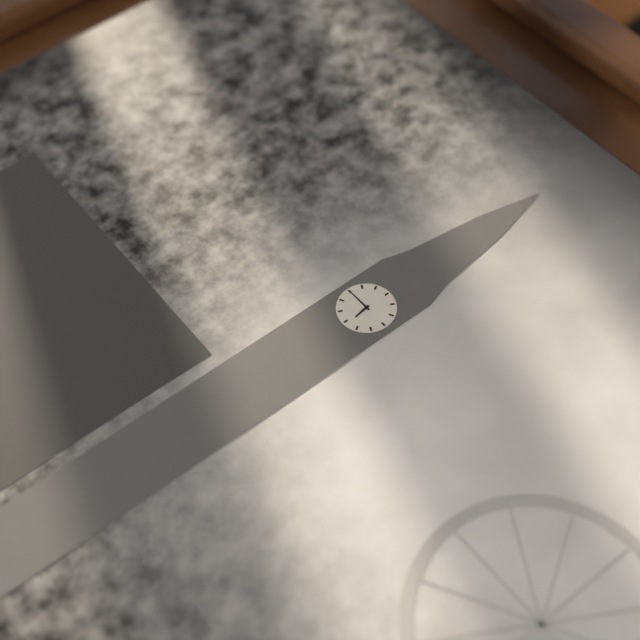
5:45
